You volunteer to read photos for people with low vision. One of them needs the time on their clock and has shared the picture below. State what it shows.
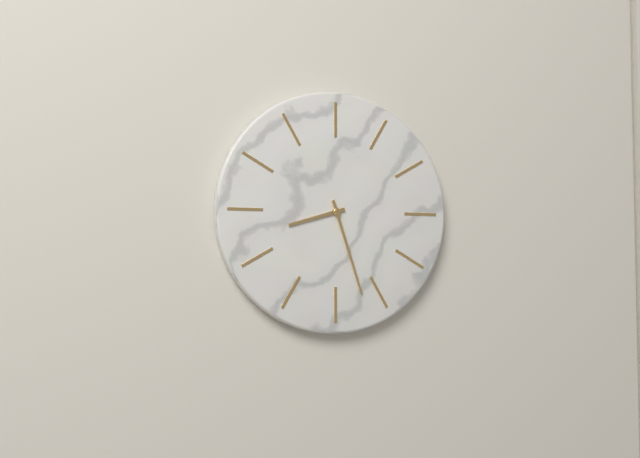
8:27
